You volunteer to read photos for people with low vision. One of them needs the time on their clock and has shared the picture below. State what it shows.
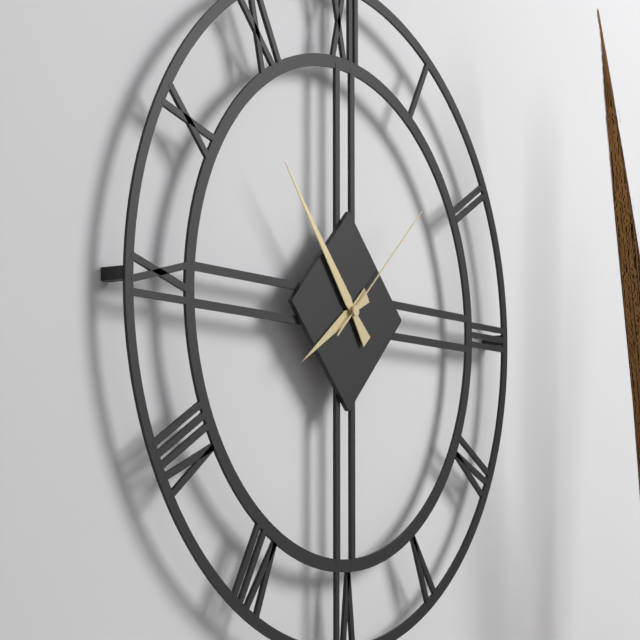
7:53:08
